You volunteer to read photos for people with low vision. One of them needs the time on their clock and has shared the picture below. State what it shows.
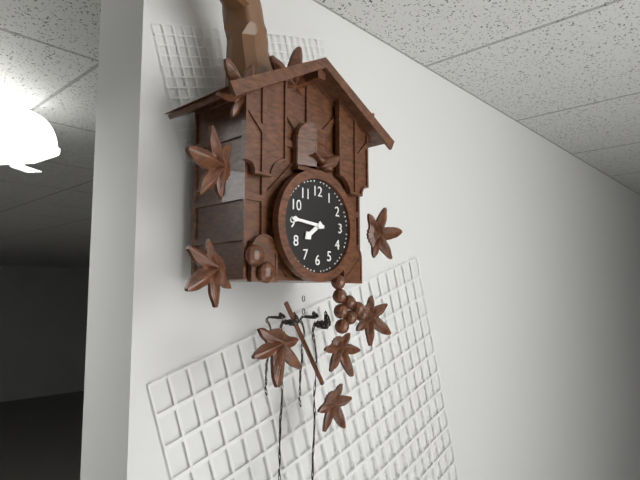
7:46
